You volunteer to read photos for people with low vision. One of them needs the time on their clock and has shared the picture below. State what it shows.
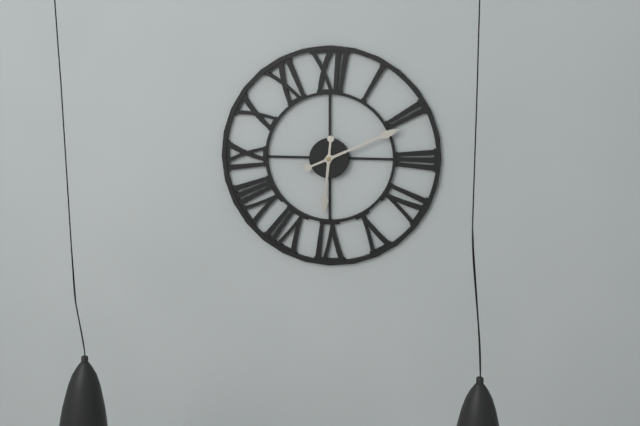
6:11
